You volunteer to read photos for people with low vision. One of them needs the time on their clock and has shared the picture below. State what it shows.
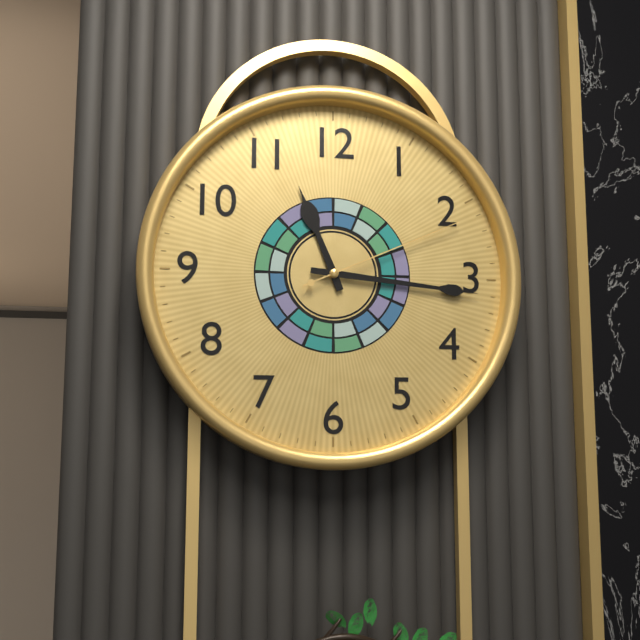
11:16:11
